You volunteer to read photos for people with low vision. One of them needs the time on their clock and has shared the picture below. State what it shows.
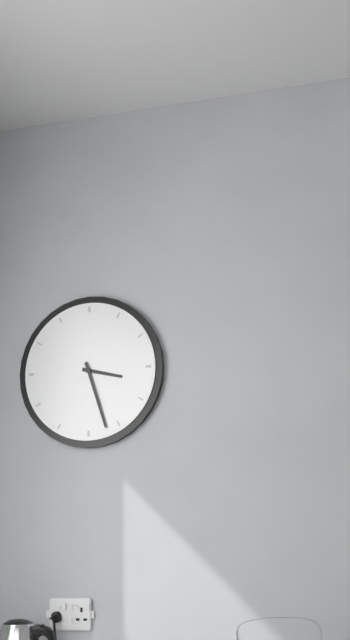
3:27
